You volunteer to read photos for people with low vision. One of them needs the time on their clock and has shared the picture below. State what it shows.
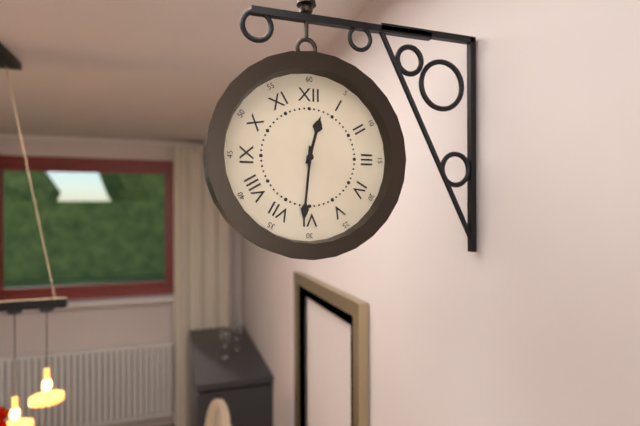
12:31
